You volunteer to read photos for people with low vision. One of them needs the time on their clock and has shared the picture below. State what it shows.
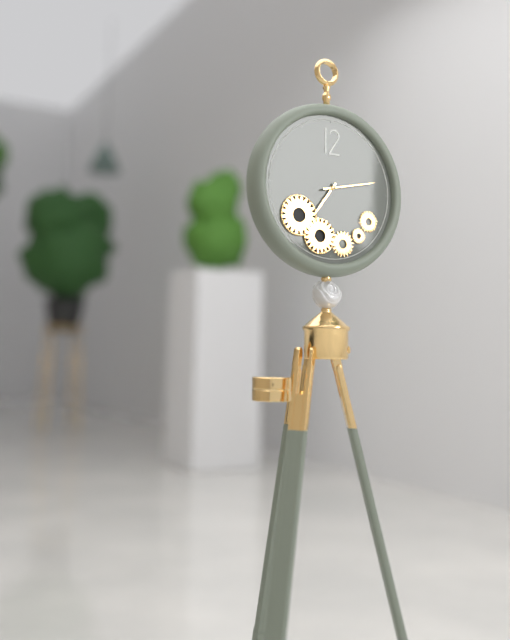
7:13
